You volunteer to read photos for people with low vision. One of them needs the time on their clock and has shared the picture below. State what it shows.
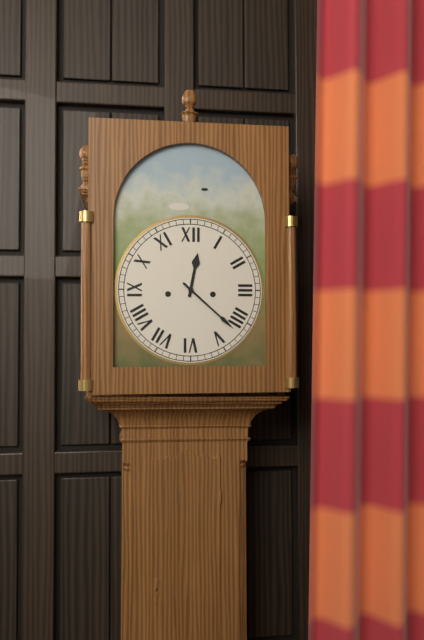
12:22
